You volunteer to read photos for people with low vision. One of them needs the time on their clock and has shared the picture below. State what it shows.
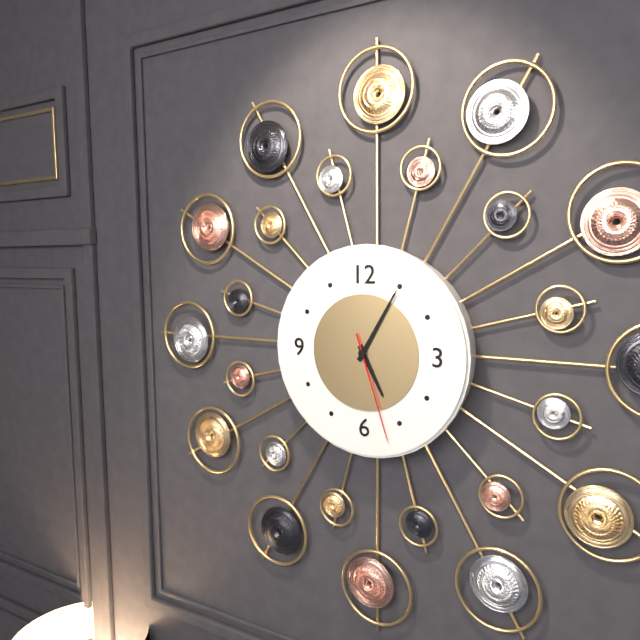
5:05:27
